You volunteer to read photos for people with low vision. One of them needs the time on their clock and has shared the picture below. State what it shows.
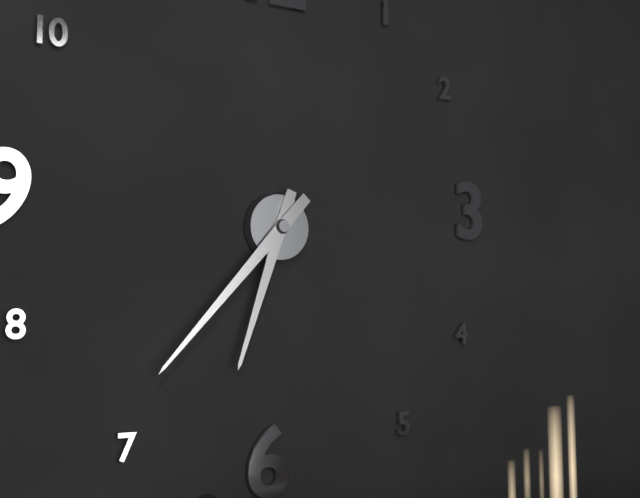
6:37
